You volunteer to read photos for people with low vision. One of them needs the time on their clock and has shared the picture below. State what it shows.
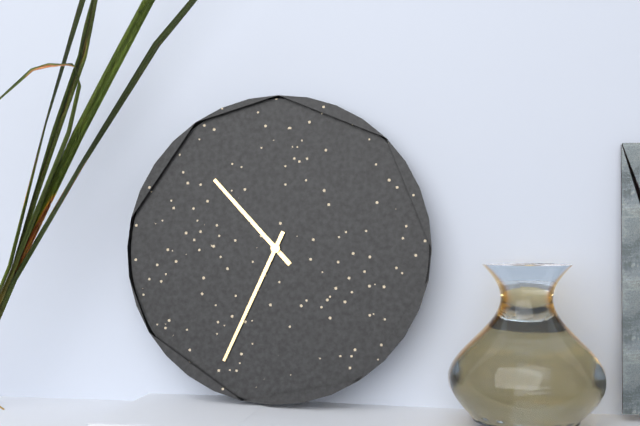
10:34
